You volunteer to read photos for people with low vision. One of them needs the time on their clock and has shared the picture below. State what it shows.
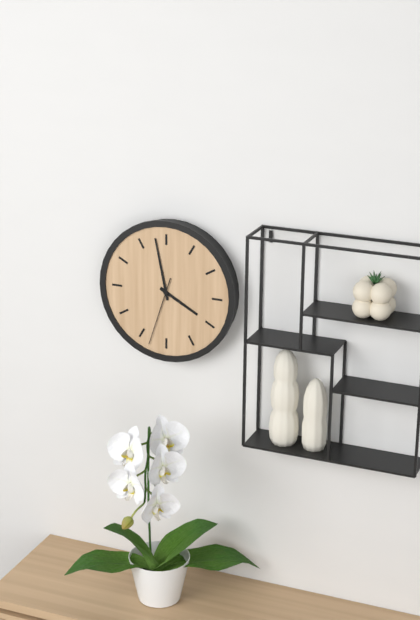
3:58:33
